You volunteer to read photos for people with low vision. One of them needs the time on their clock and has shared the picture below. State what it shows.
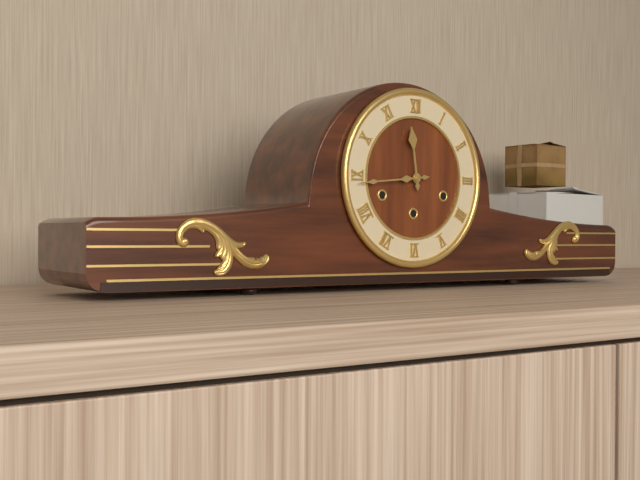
11:44
